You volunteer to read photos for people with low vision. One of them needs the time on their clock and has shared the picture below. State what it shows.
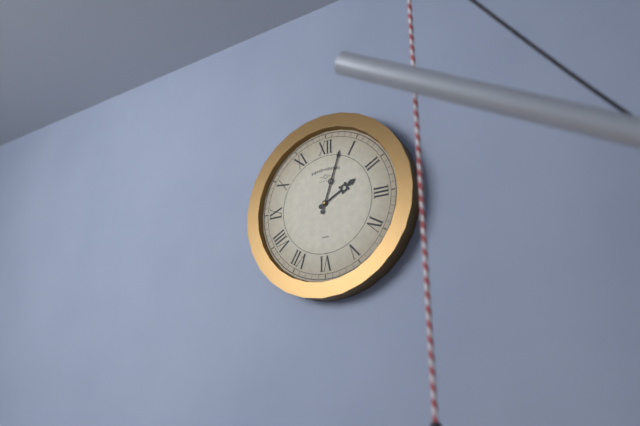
2:03
